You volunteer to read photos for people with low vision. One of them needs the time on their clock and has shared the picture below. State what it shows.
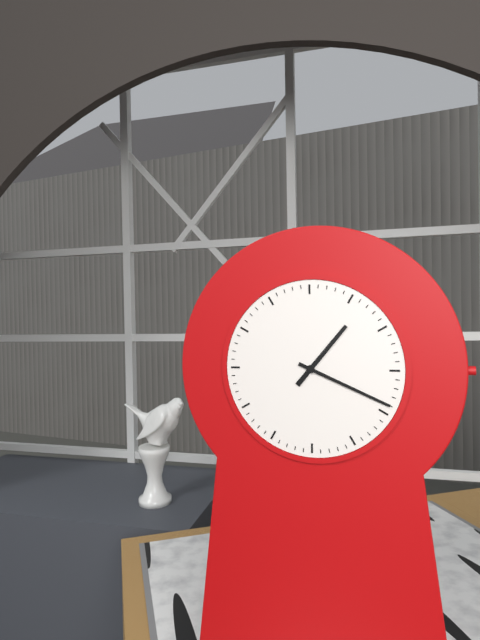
1:19
